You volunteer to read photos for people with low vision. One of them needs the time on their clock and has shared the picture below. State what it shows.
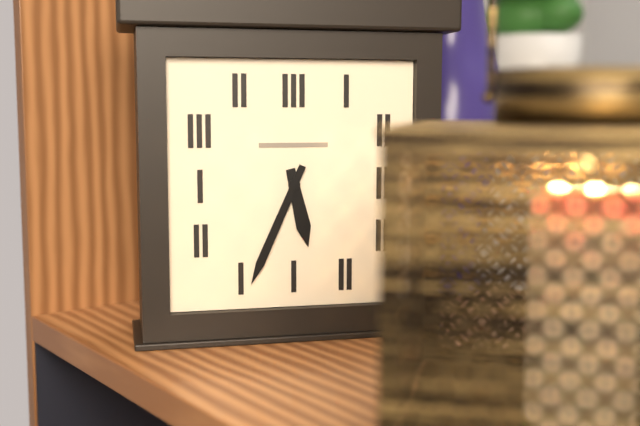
5:34
